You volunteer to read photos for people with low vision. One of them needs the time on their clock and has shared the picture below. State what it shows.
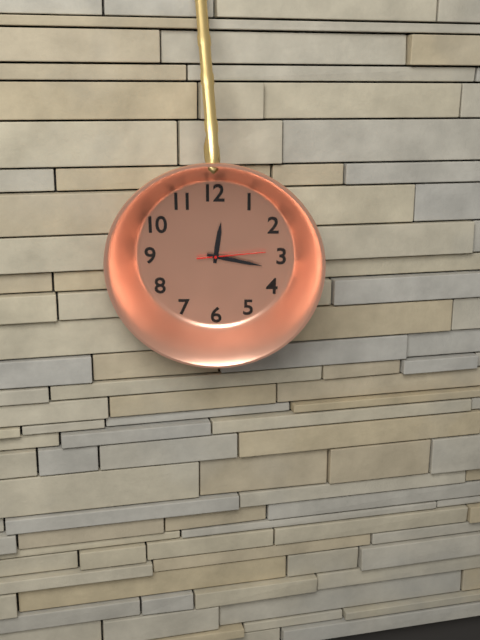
12:17:14
